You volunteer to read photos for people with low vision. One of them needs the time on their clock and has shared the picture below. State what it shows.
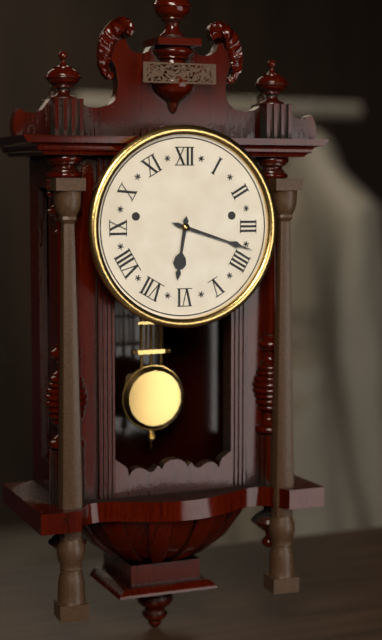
6:18
